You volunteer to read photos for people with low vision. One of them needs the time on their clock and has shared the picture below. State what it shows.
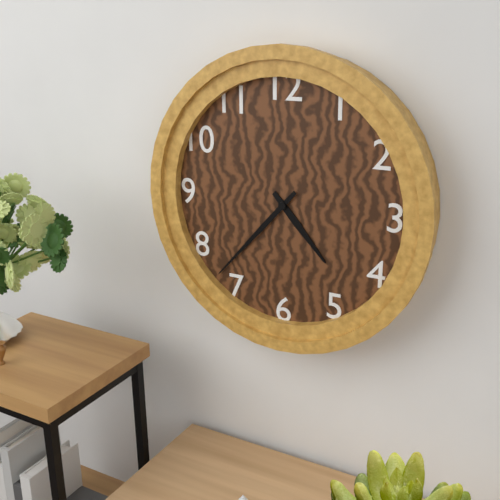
4:37
